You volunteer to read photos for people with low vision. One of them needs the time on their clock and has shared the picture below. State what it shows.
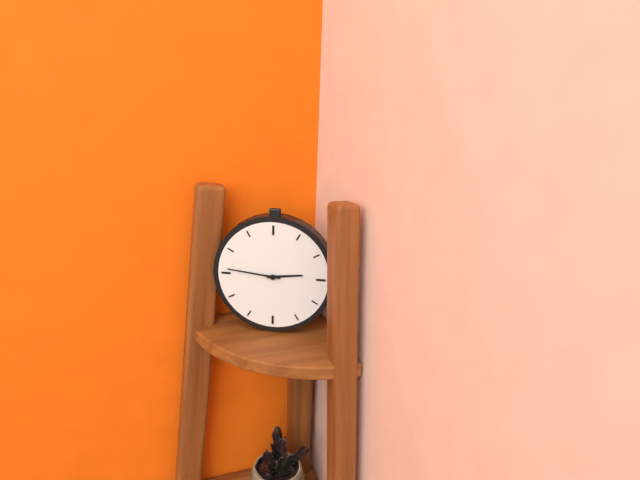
2:46
